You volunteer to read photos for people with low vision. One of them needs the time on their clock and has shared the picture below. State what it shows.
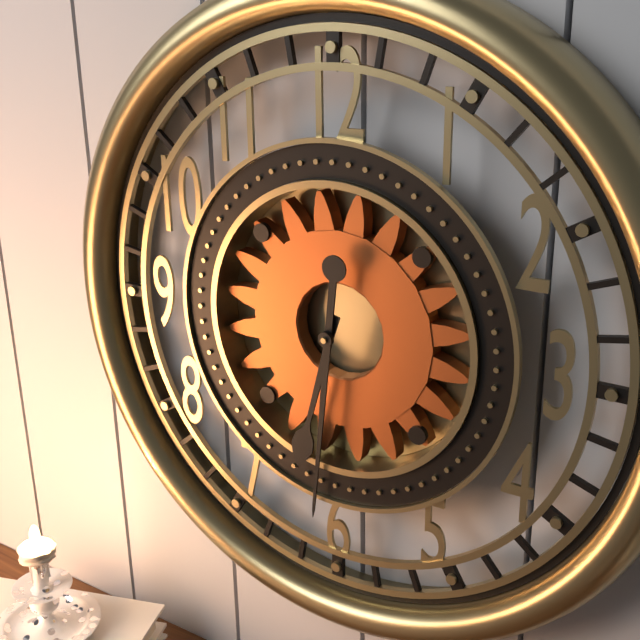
6:31
